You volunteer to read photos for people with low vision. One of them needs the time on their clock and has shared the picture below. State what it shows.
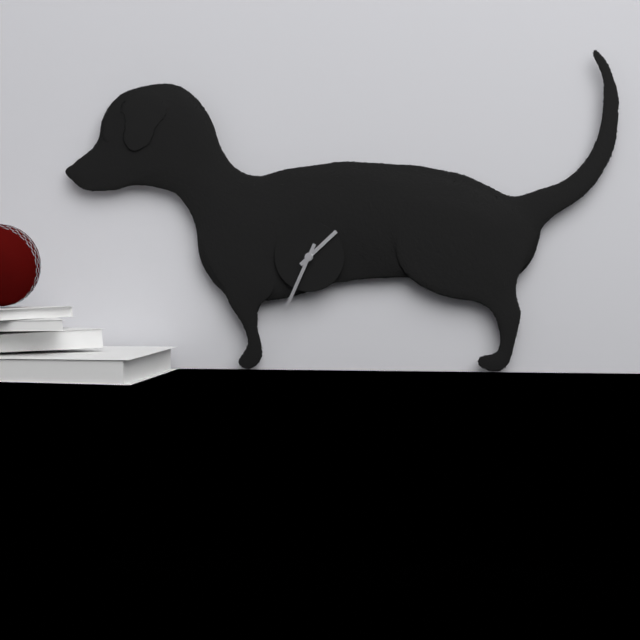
1:34
